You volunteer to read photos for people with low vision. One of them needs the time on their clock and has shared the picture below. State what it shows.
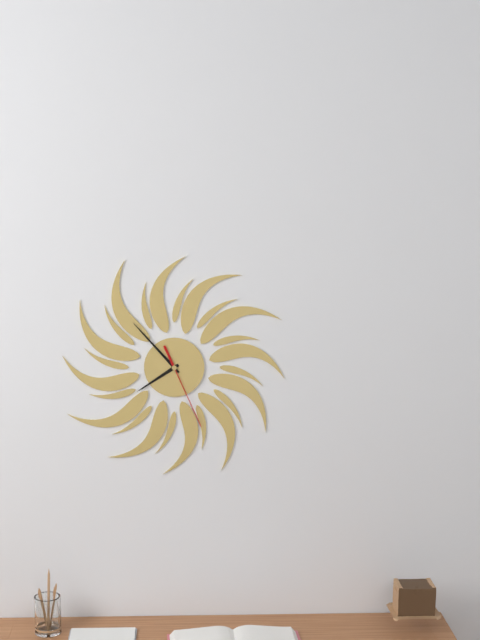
7:53:26
